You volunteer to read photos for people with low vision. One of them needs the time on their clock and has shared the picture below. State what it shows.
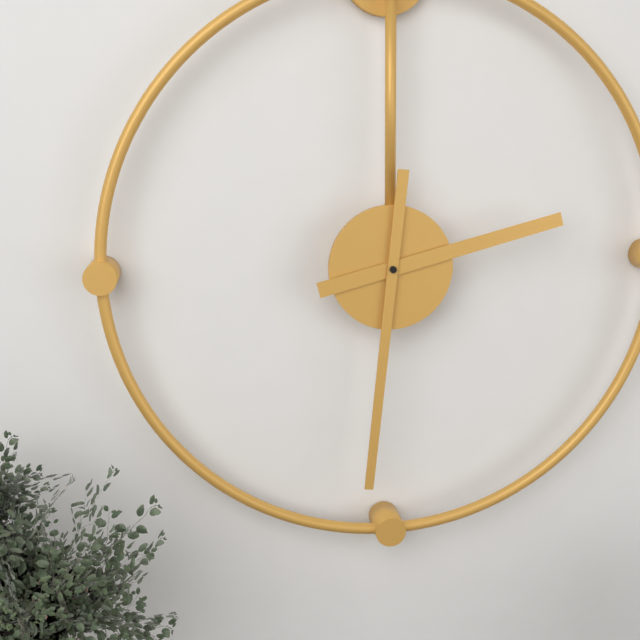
2:31
